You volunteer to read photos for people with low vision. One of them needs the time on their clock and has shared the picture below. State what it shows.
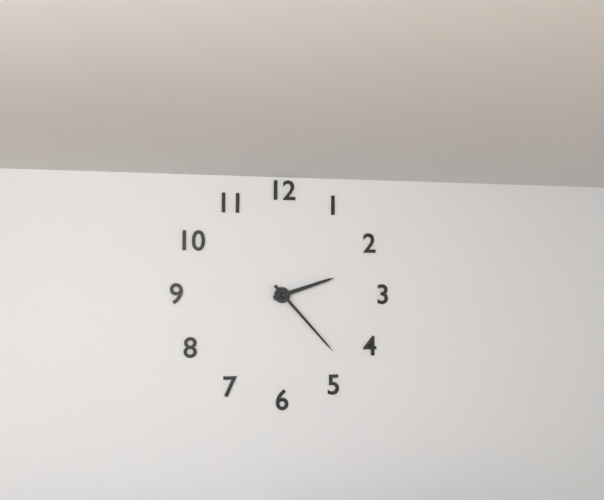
2:23
